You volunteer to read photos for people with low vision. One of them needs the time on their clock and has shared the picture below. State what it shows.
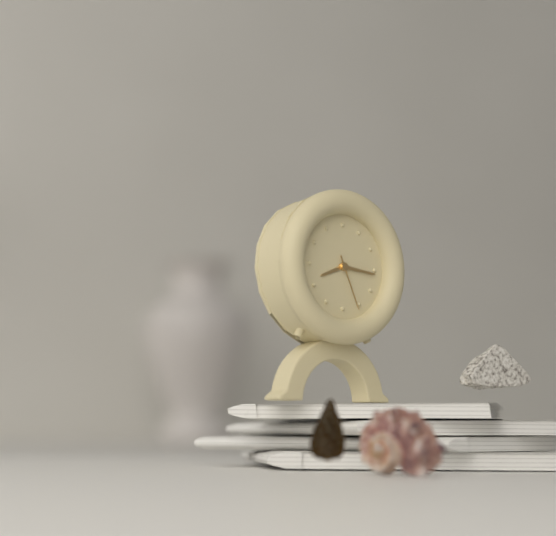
8:16:26
